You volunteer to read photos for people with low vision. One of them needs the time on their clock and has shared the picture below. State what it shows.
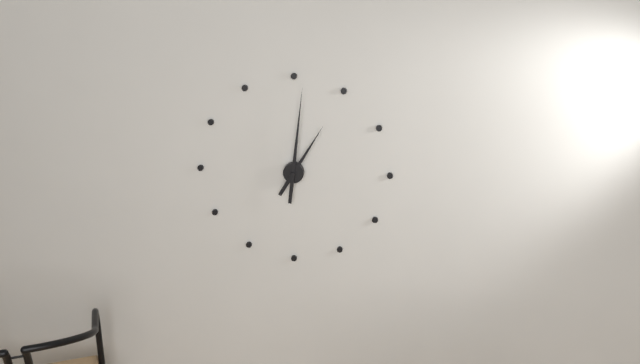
1:01
